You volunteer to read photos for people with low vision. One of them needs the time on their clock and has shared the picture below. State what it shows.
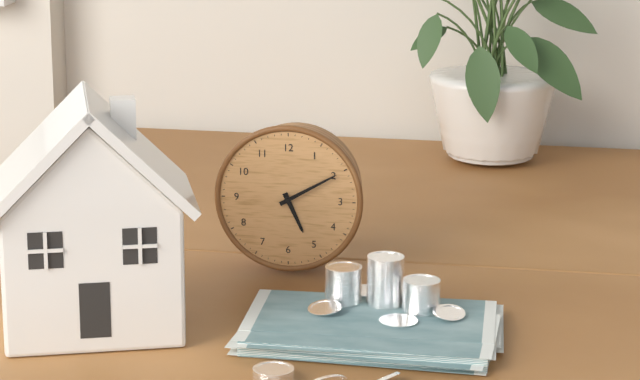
5:10
